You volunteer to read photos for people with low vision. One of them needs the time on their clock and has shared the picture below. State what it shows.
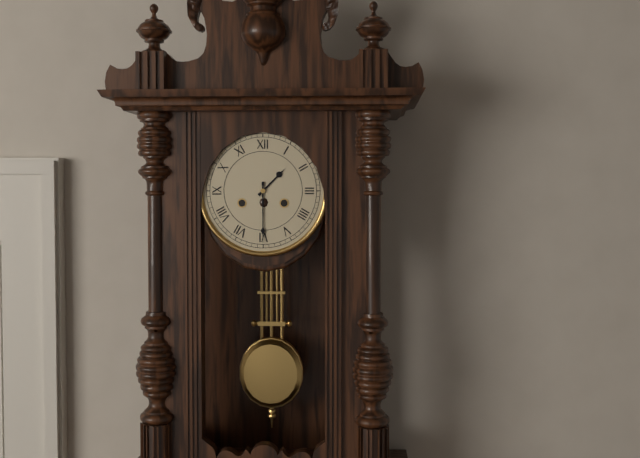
1:30
